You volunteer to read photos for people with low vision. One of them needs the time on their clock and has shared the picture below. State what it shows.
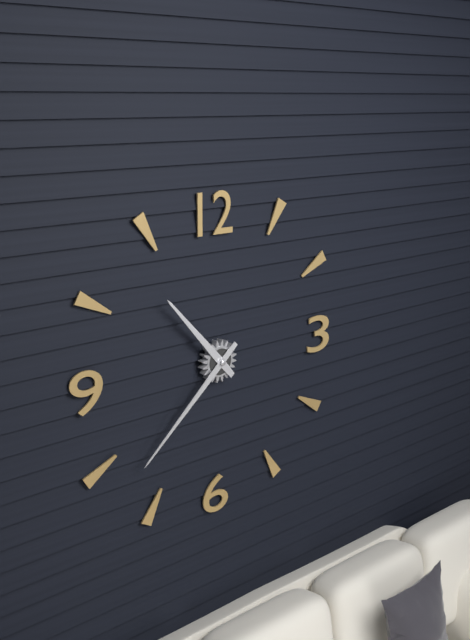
10:38
